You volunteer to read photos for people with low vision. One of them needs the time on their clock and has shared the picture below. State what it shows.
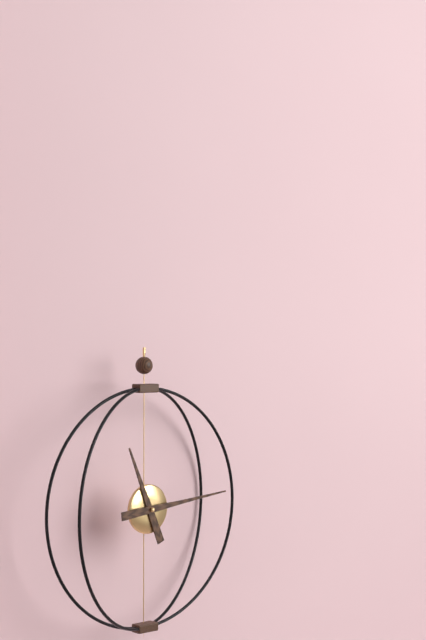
11:14
